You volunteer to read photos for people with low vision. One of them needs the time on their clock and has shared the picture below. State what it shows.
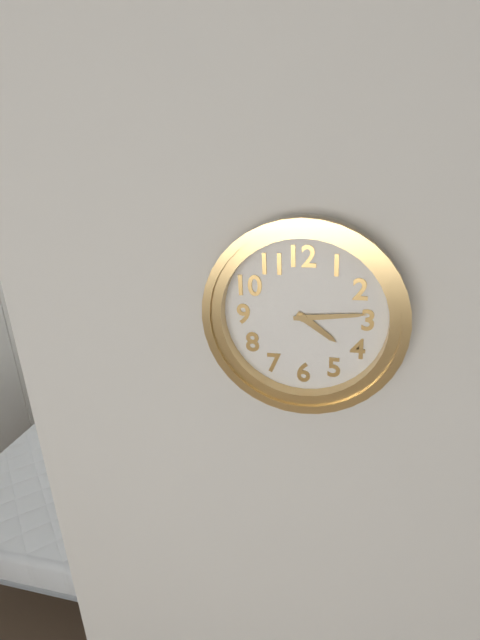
4:14
